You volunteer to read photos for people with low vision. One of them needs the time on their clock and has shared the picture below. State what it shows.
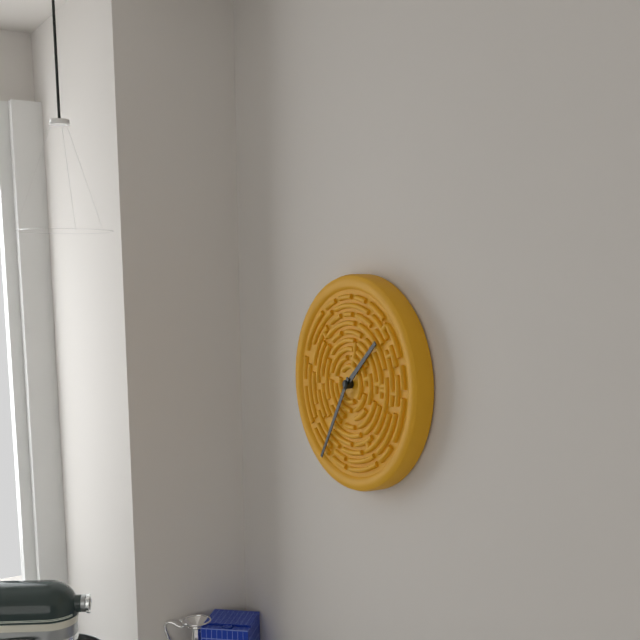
1:35
